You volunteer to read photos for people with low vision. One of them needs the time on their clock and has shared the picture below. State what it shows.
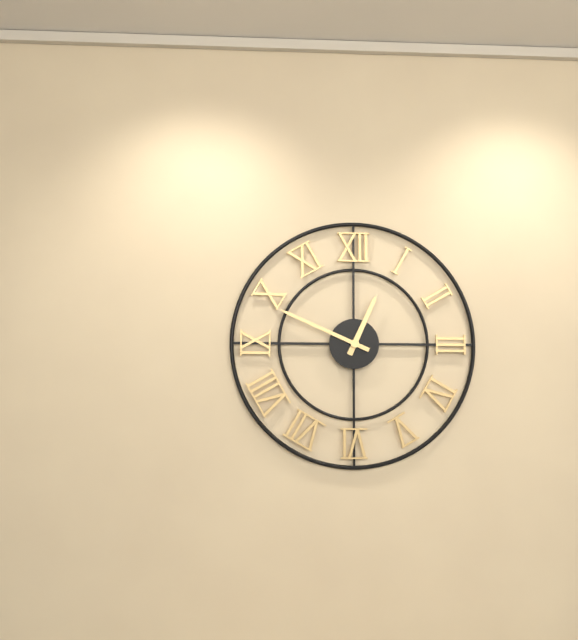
12:49
